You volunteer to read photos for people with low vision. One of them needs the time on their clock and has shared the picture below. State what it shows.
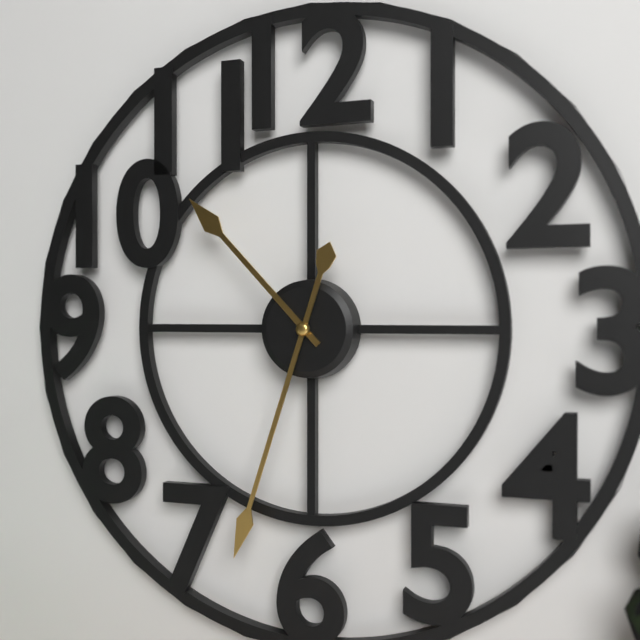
10:33
